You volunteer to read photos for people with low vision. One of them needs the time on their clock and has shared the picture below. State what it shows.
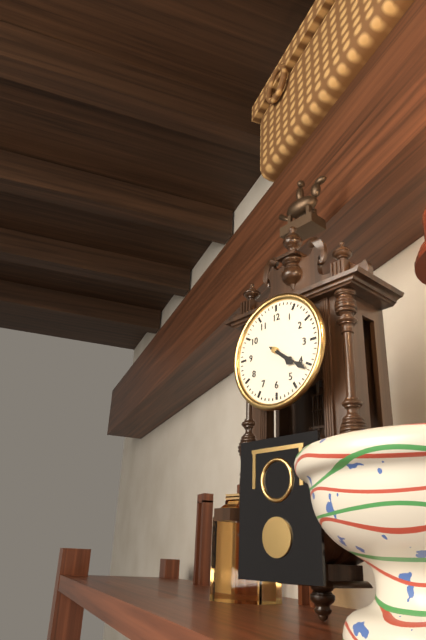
4:21
